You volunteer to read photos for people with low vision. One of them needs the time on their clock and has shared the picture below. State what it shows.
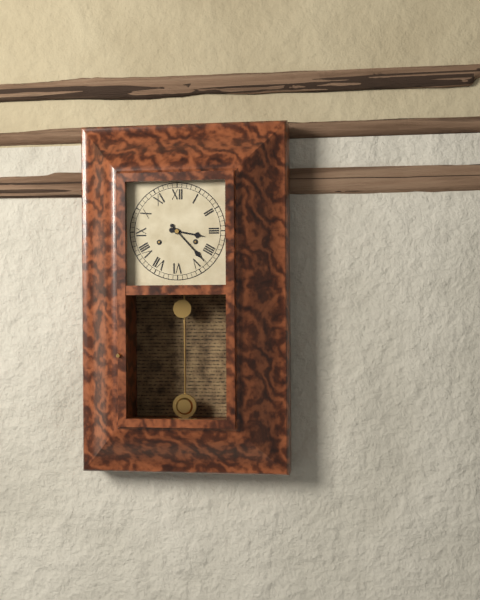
3:23
